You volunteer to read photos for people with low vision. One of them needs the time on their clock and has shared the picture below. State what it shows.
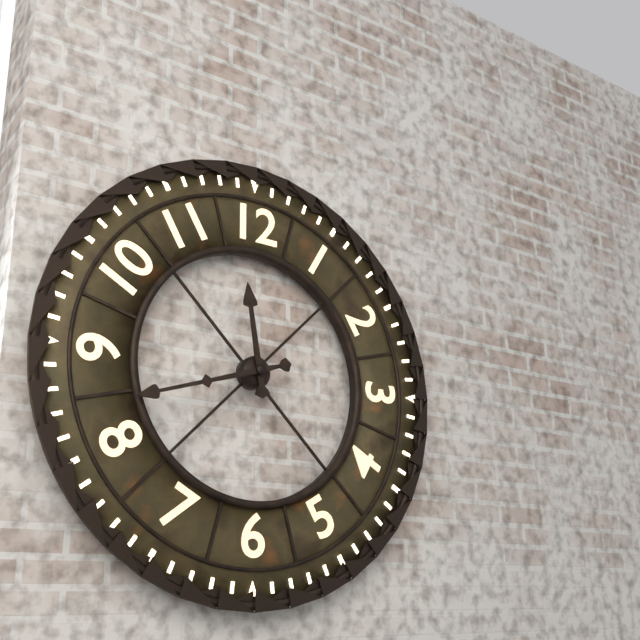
11:42
